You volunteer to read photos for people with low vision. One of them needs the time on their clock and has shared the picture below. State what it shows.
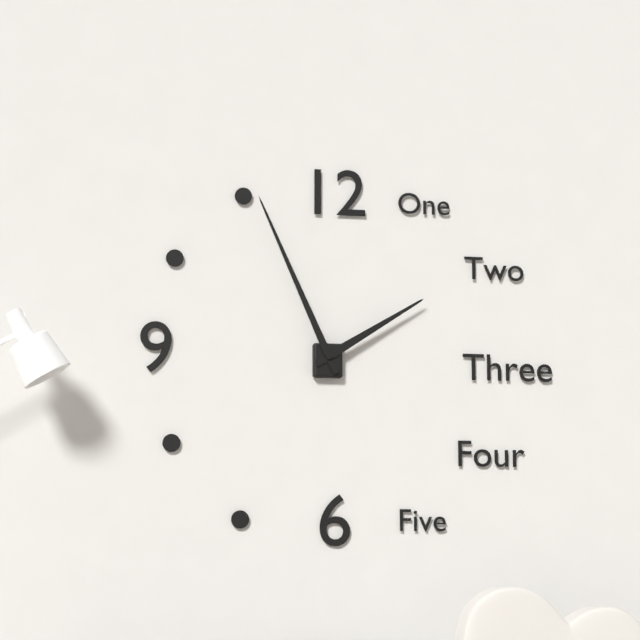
1:56
